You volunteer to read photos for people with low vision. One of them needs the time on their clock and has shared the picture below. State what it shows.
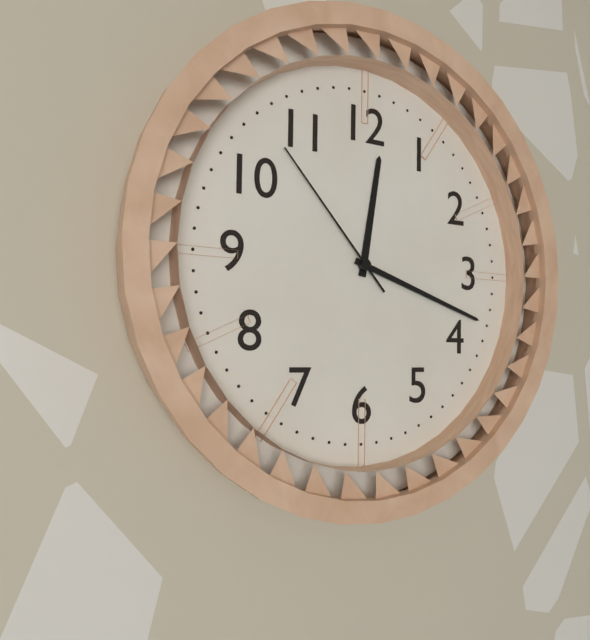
12:18:53
